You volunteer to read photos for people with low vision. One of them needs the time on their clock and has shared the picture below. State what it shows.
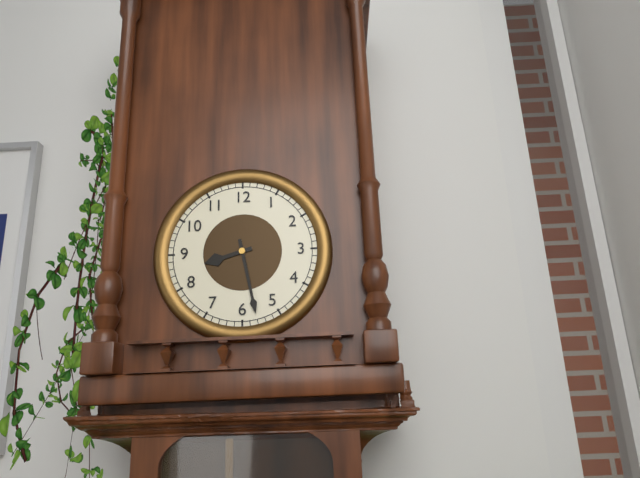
8:28
